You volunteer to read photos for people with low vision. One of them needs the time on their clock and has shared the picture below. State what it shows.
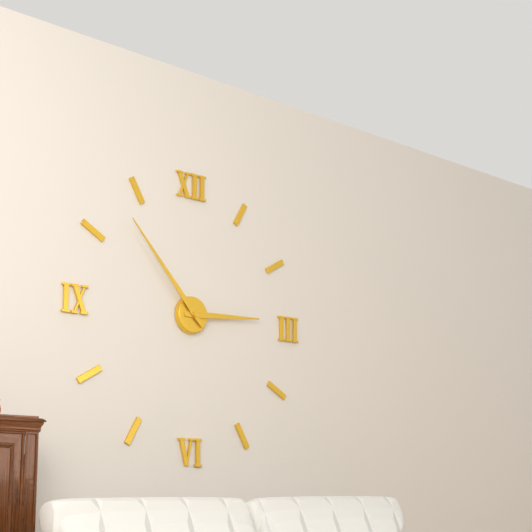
2:53
